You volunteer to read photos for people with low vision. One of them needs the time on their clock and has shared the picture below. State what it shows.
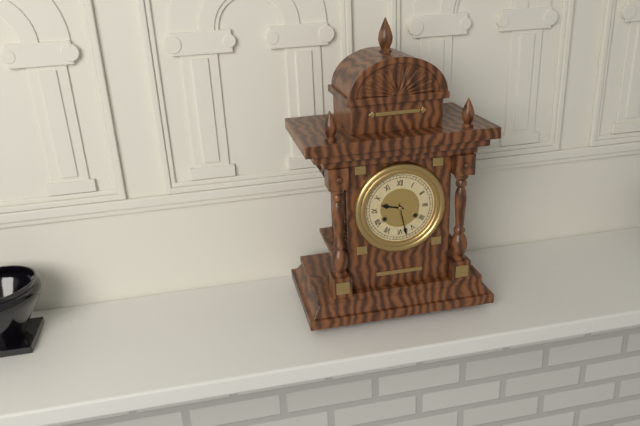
9:28
